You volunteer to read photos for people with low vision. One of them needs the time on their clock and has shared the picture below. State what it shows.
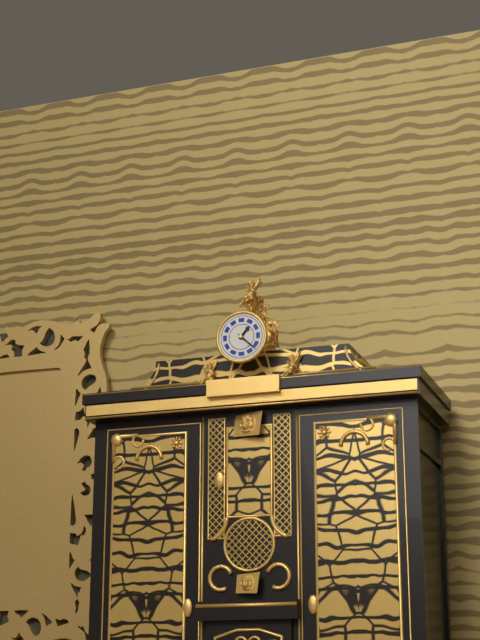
1:22
